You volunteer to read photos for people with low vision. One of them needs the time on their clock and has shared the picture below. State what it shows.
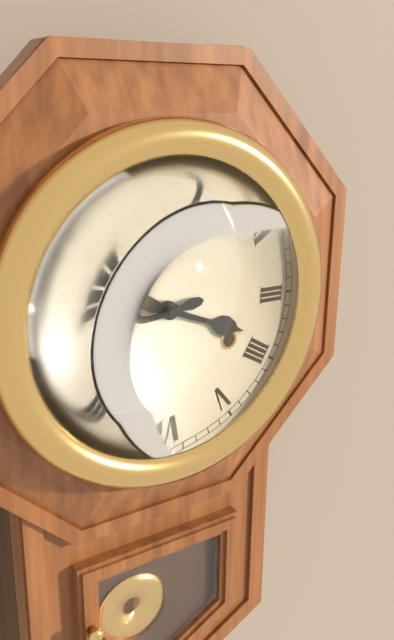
3:43
